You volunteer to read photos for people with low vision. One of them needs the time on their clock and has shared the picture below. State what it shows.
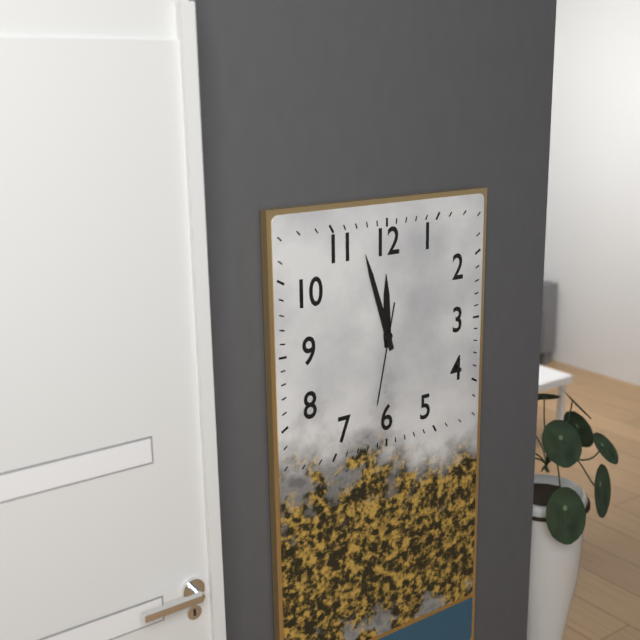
11:57:32
